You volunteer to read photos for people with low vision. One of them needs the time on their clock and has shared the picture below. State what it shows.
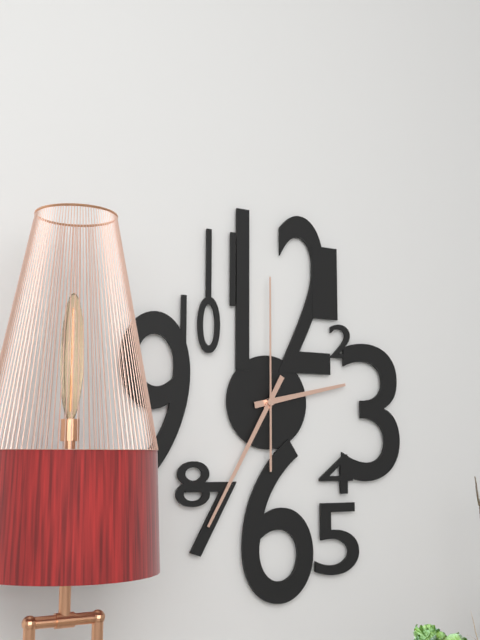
2:35:00
